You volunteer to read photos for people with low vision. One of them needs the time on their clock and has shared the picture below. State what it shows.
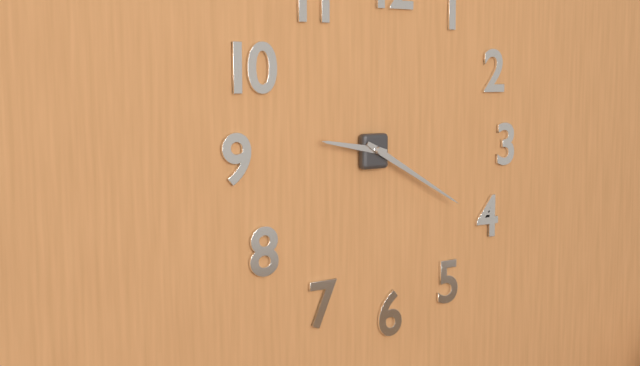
9:20
